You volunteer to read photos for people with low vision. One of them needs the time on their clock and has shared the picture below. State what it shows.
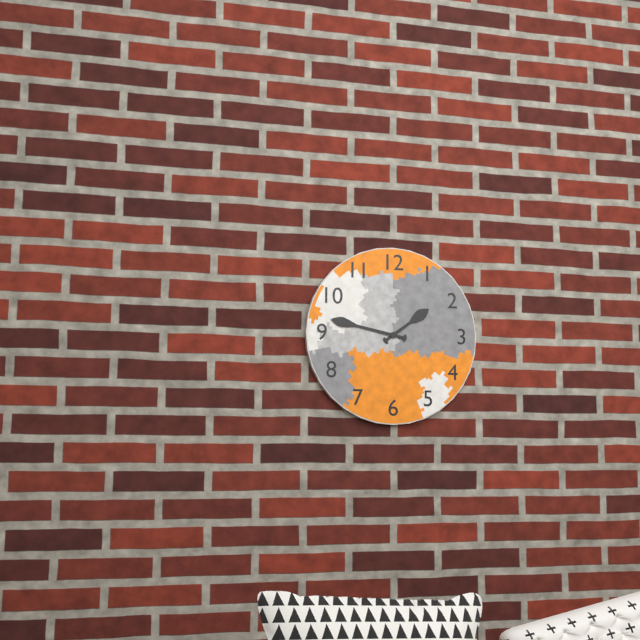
1:47
